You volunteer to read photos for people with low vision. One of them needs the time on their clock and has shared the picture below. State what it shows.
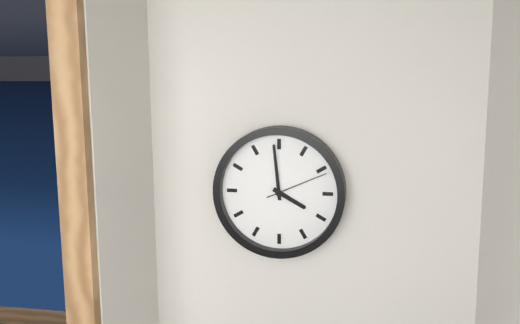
3:59:11
